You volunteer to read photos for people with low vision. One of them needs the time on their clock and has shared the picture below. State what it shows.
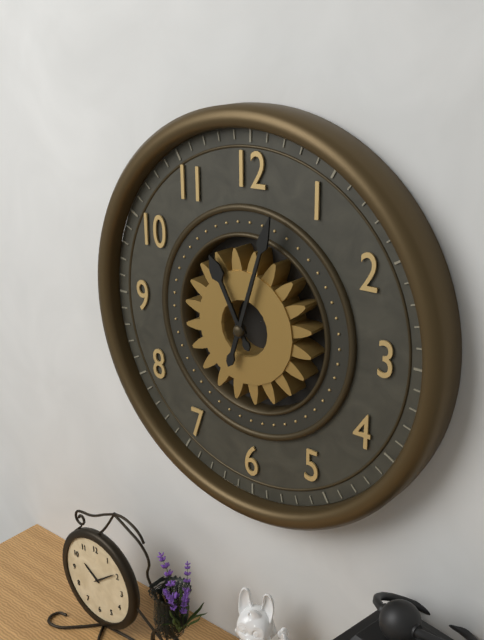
11:03
